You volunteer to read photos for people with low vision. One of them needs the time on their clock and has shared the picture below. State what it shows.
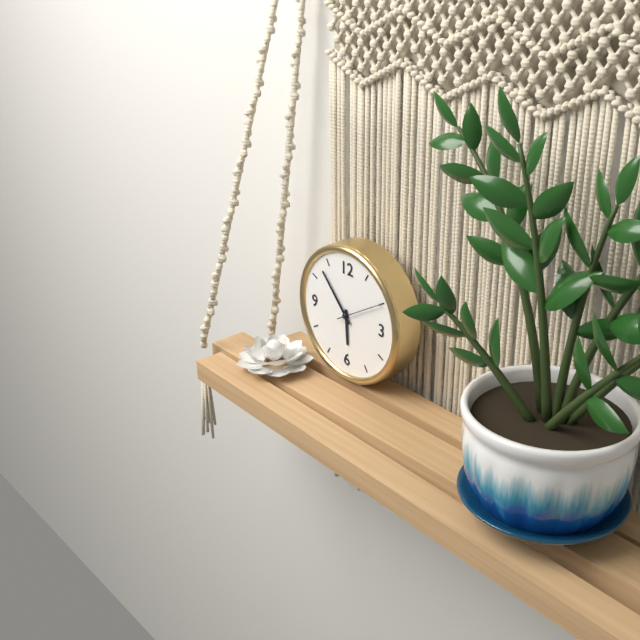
5:53
